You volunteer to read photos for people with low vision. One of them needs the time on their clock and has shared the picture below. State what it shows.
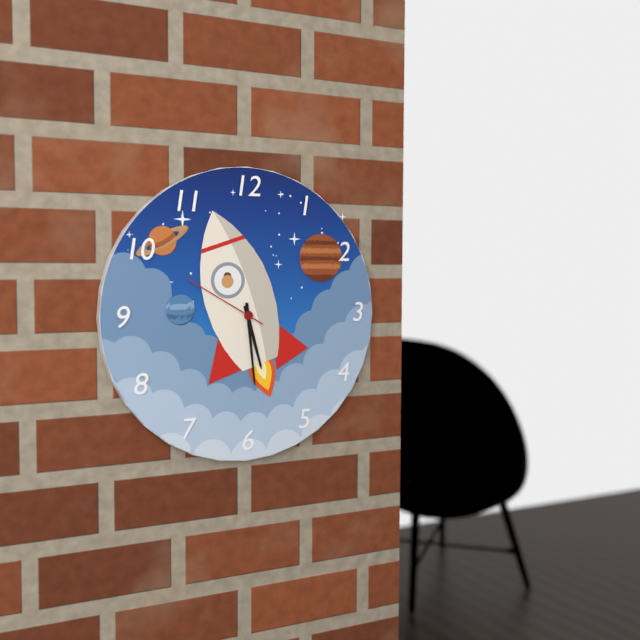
5:29:50
